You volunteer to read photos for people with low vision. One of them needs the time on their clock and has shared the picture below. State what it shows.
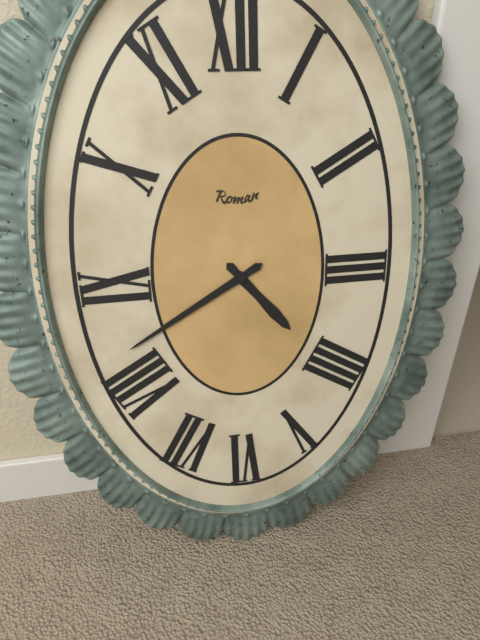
4:40
